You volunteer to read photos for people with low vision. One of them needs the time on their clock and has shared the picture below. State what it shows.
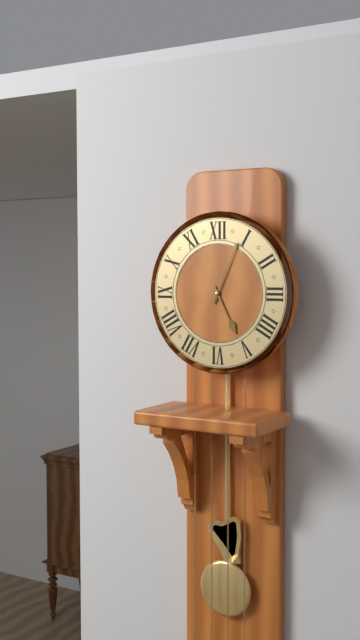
5:04
